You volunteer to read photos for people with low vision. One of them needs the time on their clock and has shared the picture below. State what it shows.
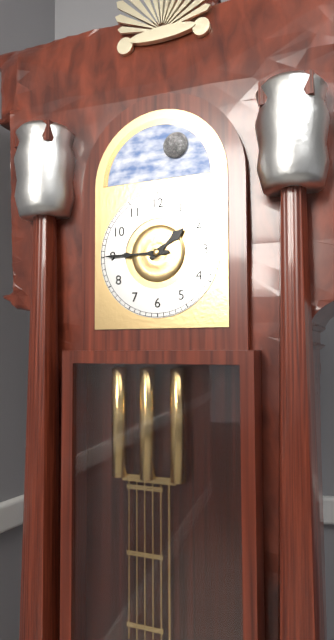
1:45
